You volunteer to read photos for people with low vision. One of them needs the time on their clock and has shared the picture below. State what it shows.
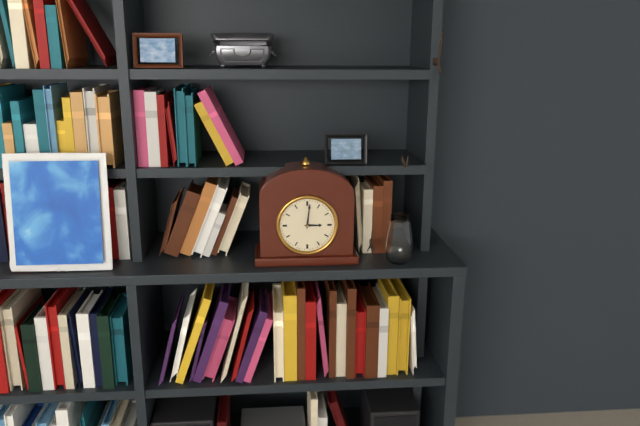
3:01
